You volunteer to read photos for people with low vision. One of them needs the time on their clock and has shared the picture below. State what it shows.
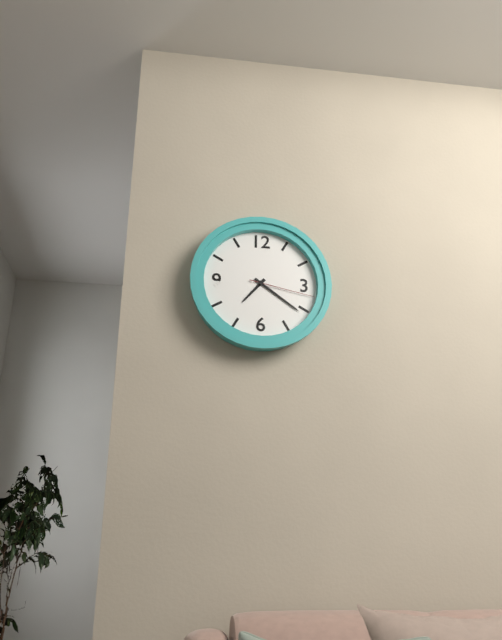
7:21:17
